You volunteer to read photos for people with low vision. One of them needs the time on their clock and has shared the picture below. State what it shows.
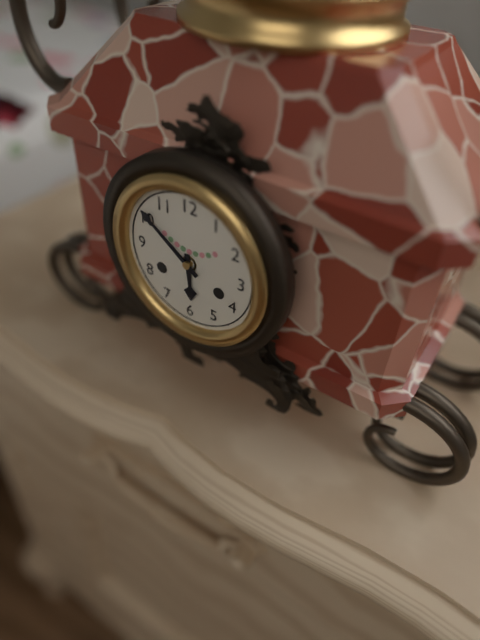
5:51
